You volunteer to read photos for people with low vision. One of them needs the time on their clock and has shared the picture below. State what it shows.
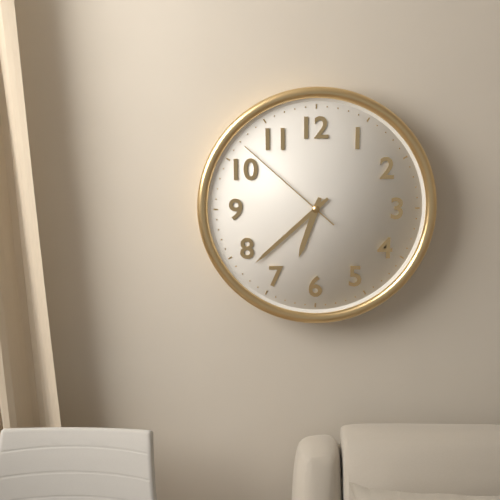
6:38:52
